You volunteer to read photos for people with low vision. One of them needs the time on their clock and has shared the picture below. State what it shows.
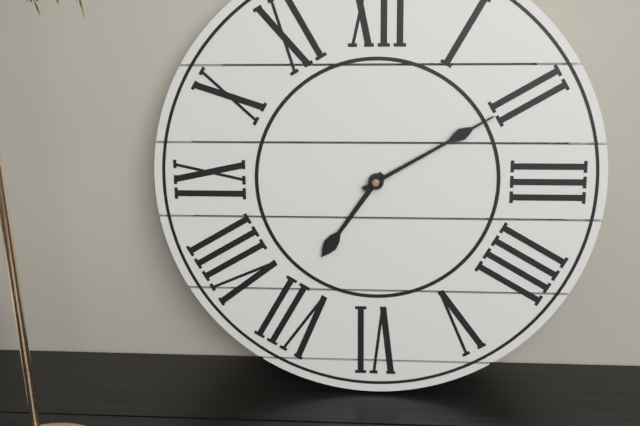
7:10
